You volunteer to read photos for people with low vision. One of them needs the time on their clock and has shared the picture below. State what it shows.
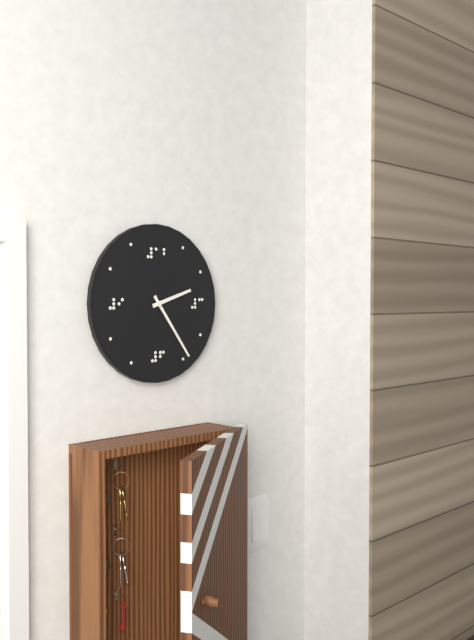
2:24
